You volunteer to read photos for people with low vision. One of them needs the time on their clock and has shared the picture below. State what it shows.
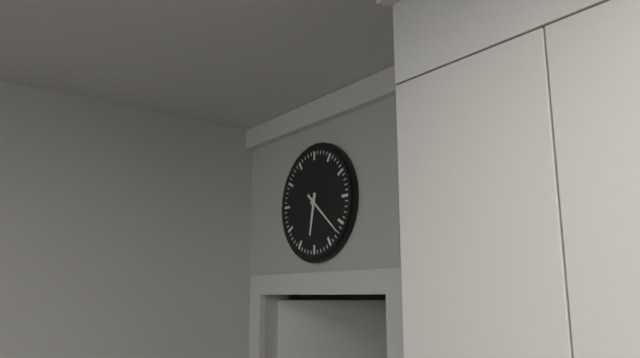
6:22
